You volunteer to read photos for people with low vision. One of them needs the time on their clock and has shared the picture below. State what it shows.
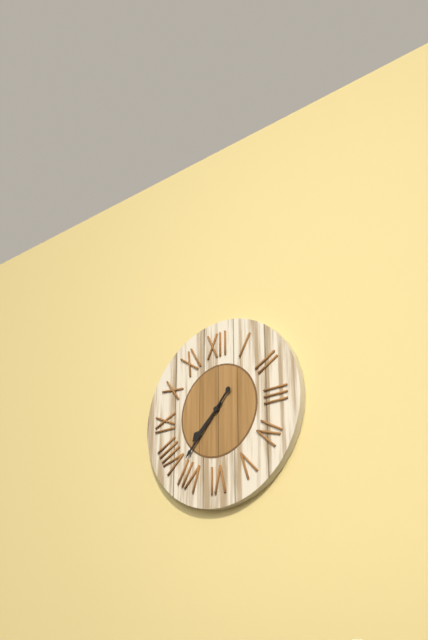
7:37
